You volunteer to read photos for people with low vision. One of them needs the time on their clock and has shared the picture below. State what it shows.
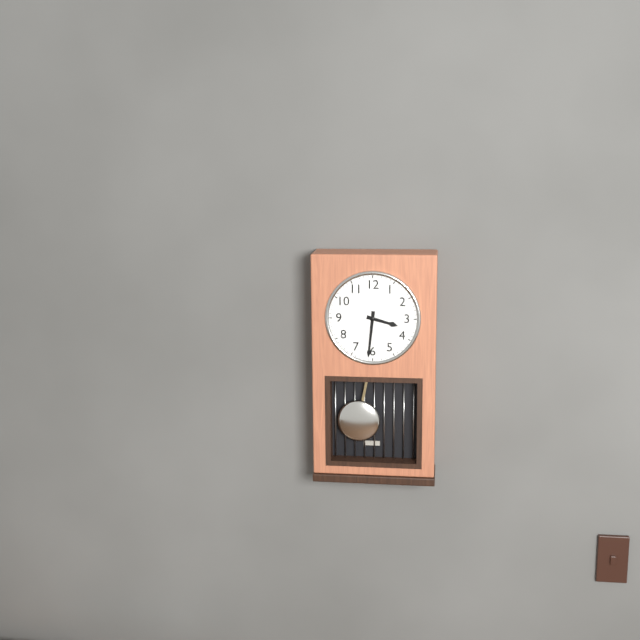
3:31
